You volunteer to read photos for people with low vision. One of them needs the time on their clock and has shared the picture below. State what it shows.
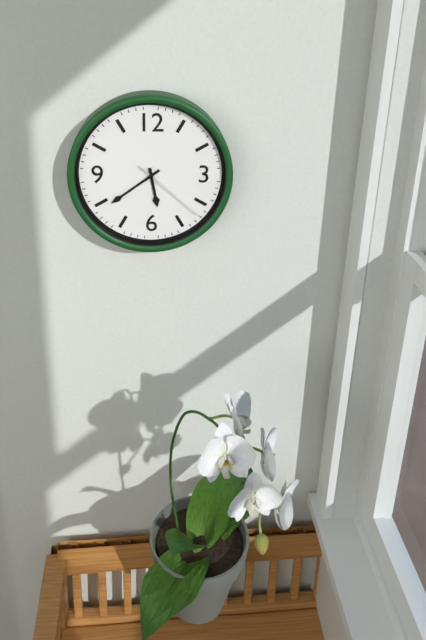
5:39:22
